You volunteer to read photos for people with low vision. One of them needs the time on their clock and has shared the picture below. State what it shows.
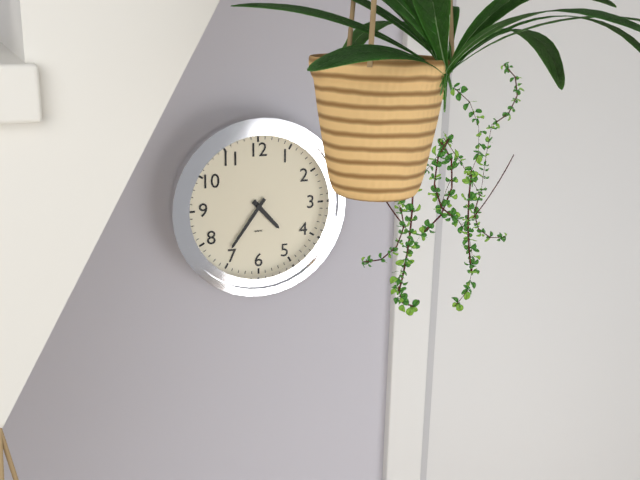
4:36
